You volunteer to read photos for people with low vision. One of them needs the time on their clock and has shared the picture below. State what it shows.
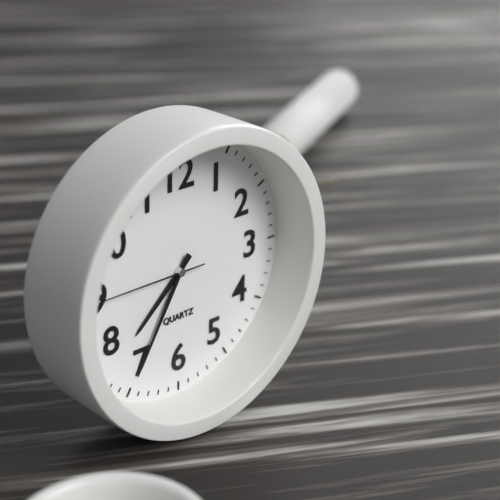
7:35:45
